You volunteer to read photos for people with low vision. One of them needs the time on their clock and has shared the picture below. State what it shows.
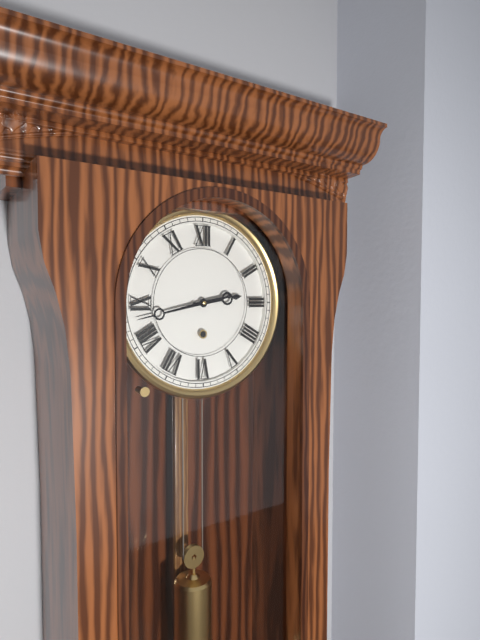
2:43
